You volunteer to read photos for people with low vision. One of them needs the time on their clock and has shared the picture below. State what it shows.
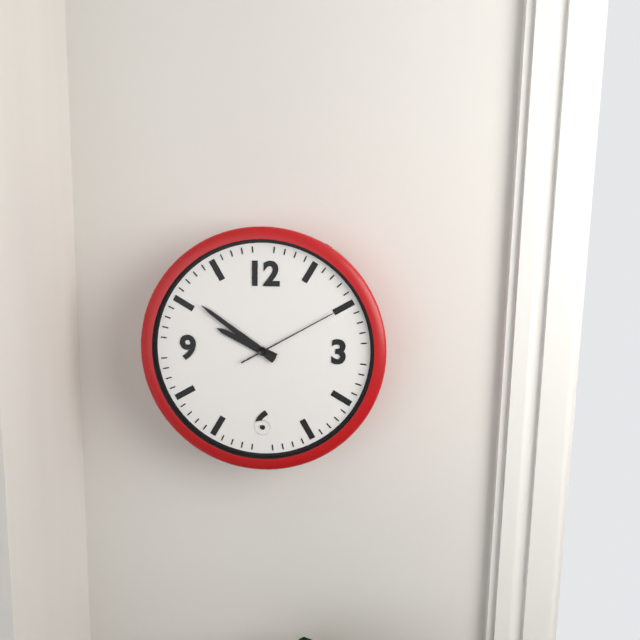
9:51:10
